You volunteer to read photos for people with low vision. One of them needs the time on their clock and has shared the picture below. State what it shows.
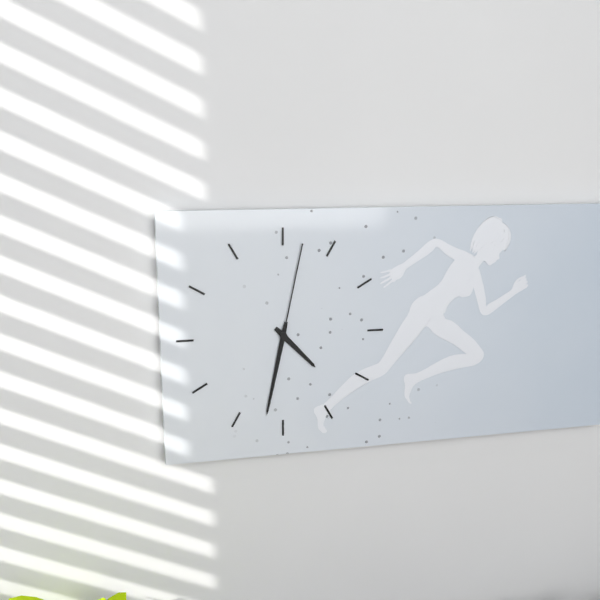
4:32:02
